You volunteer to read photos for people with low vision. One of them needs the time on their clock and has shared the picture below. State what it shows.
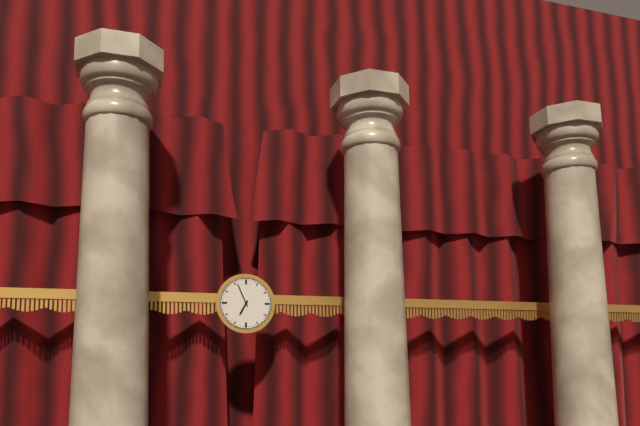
6:56
